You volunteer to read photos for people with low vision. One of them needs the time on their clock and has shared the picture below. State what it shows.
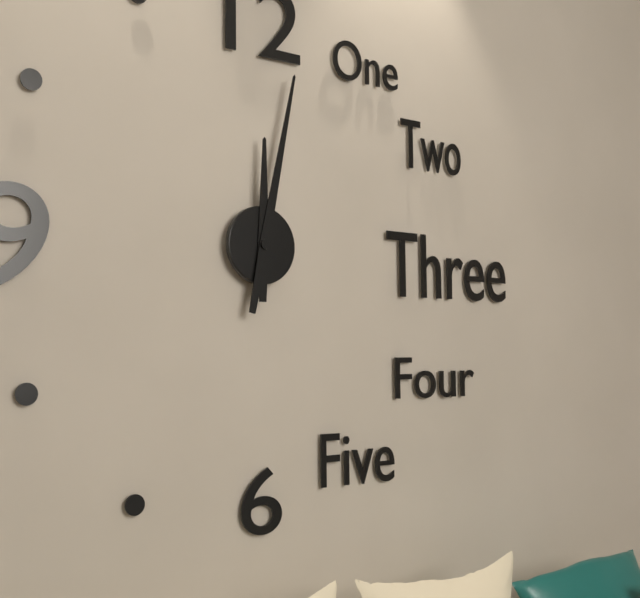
12:02
